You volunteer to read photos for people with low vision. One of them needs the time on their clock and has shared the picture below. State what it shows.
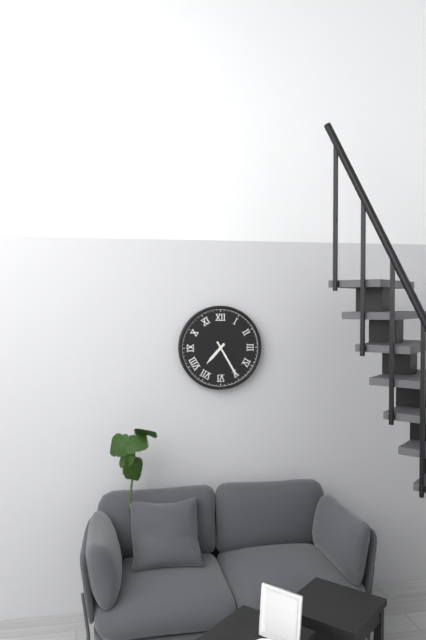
7:25
